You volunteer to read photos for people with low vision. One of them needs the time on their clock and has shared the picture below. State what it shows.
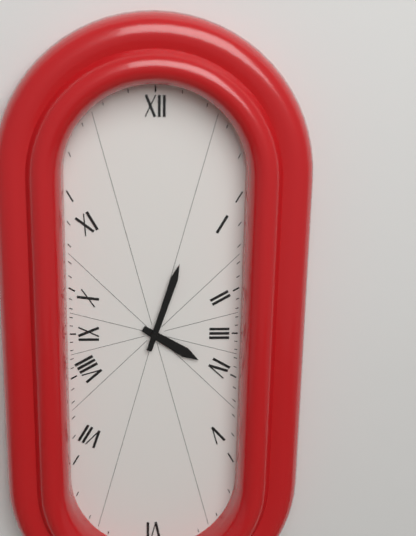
4:03
